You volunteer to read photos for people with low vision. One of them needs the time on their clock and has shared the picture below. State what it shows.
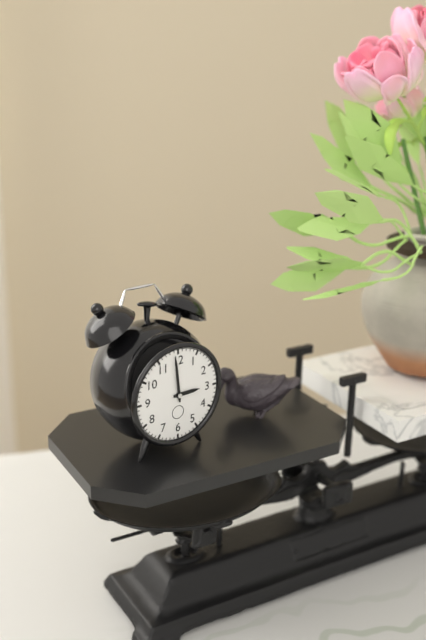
2:59
